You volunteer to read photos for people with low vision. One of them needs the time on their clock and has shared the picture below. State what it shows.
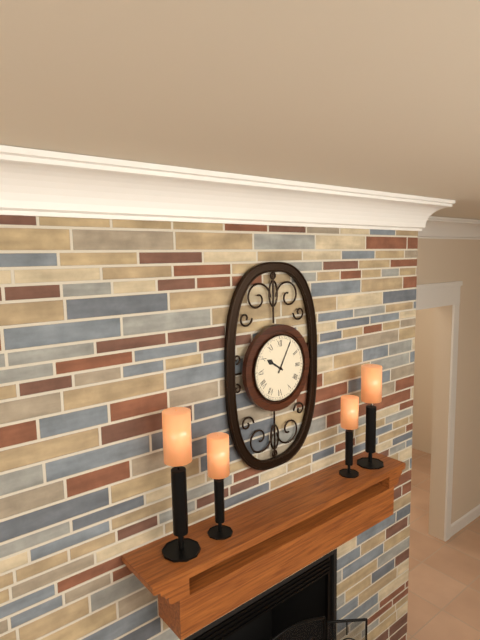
10:05
